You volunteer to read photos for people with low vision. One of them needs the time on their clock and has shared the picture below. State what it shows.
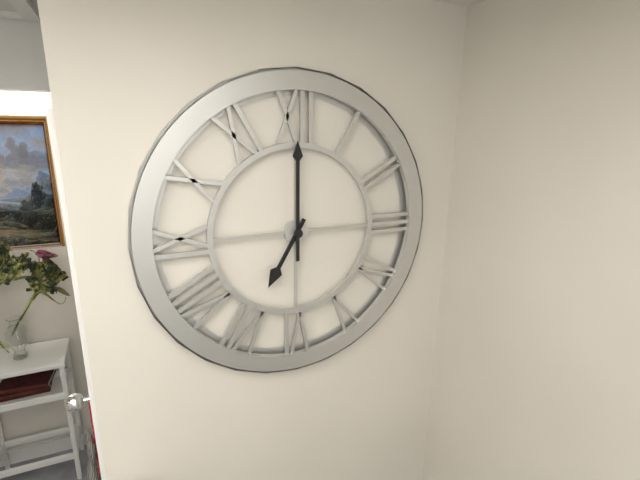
7:00
